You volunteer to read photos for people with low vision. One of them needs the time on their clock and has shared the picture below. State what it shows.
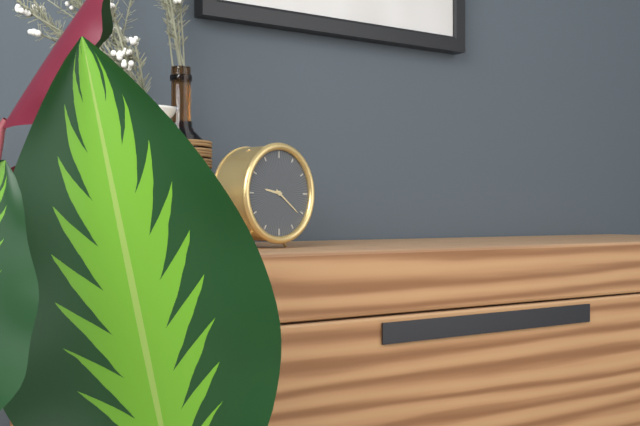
9:21
